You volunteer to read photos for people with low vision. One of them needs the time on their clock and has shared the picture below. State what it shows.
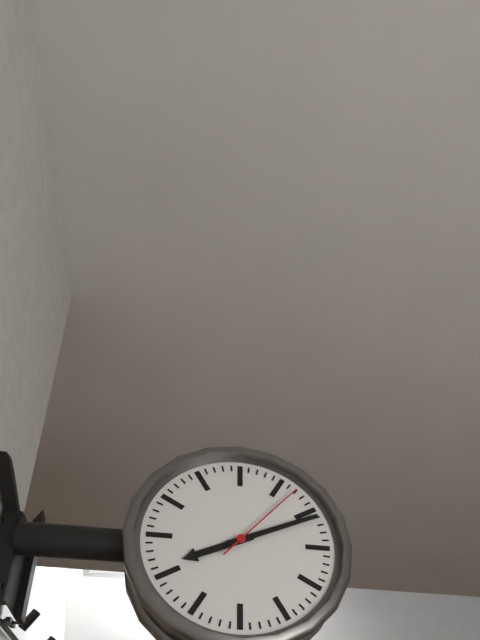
8:11:07
